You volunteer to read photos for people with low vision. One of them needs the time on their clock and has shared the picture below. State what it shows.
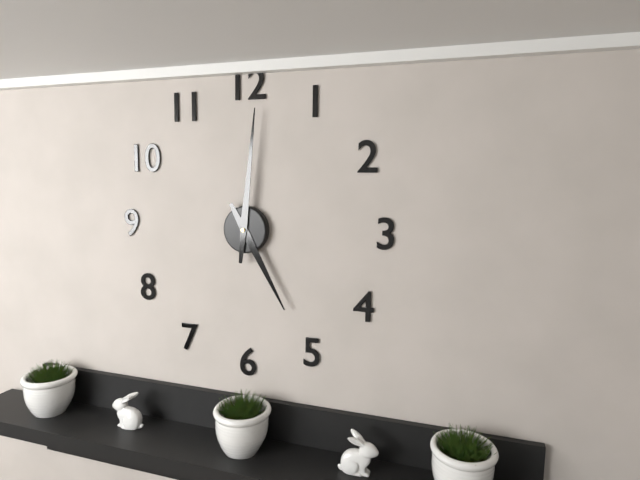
5:01
